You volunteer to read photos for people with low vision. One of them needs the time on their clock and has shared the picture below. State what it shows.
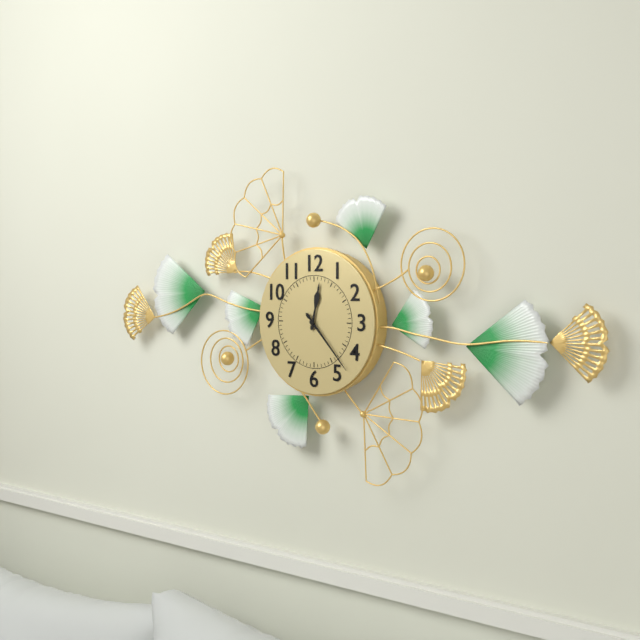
12:23
